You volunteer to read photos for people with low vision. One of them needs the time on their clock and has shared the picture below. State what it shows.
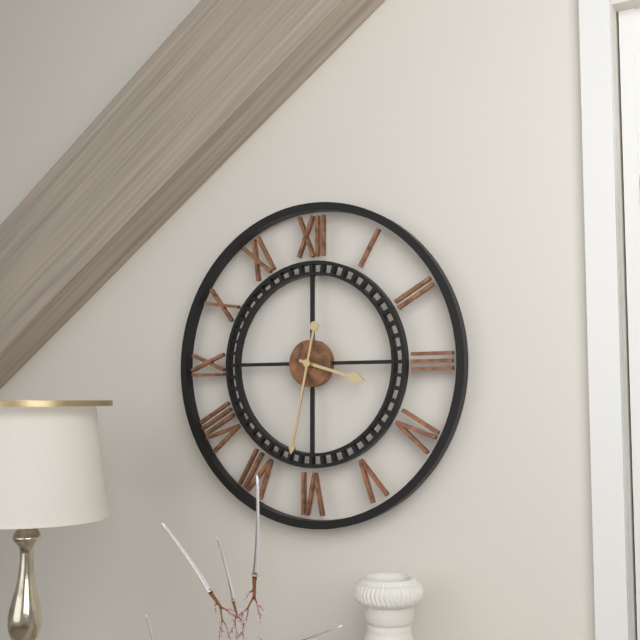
3:32
